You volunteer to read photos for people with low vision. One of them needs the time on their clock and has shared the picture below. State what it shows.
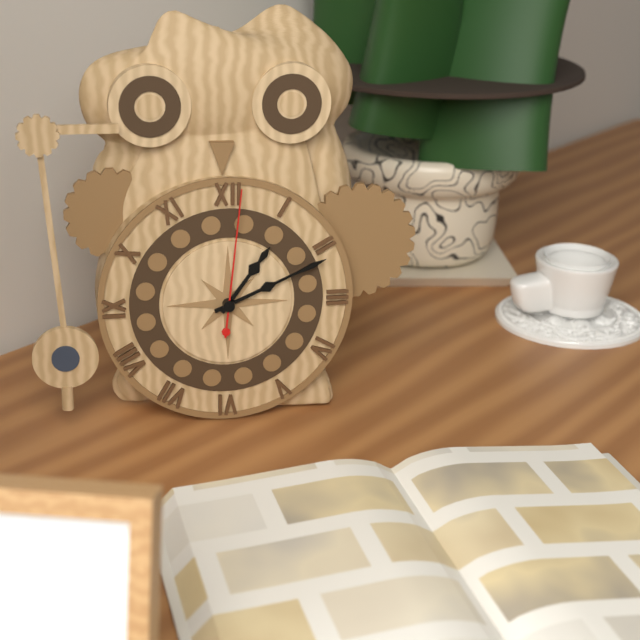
1:11:01
